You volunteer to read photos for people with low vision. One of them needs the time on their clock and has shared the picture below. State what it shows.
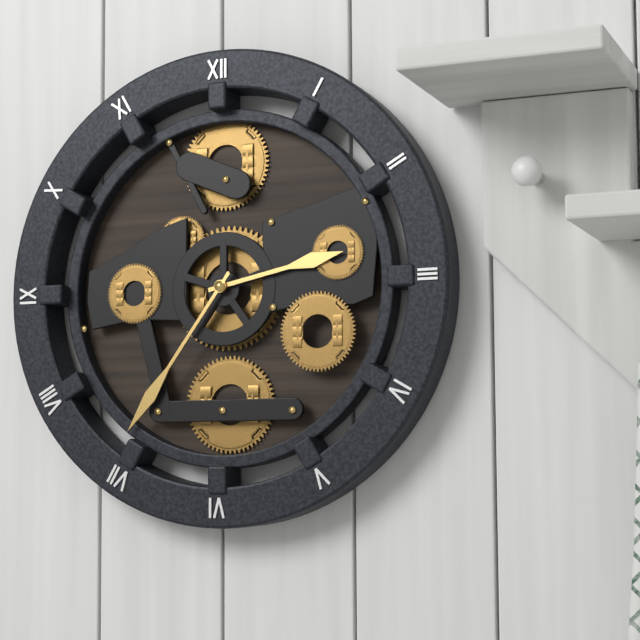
2:36
